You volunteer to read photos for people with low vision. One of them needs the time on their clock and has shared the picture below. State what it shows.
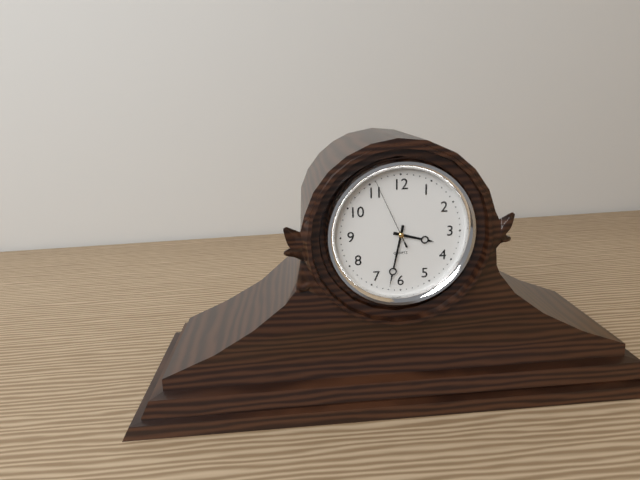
3:32:56
